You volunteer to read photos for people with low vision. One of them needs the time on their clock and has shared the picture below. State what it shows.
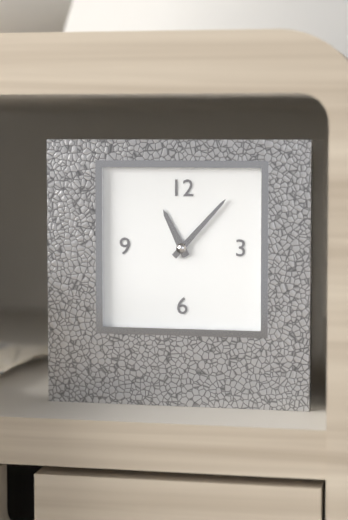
11:07
